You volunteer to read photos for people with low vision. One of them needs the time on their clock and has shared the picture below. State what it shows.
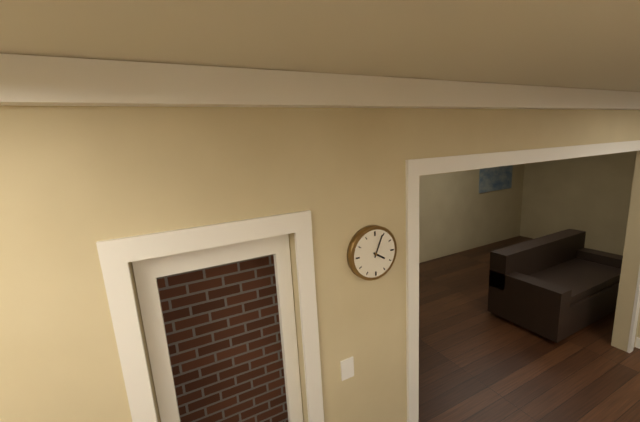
4:04
